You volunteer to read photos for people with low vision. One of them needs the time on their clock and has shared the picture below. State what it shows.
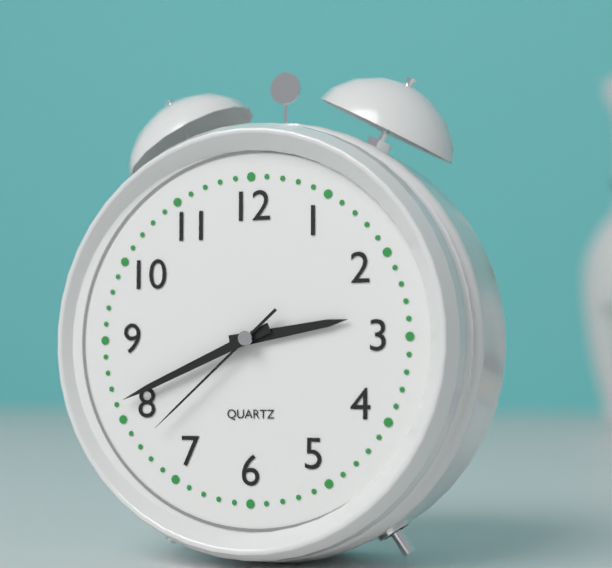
2:41:38
